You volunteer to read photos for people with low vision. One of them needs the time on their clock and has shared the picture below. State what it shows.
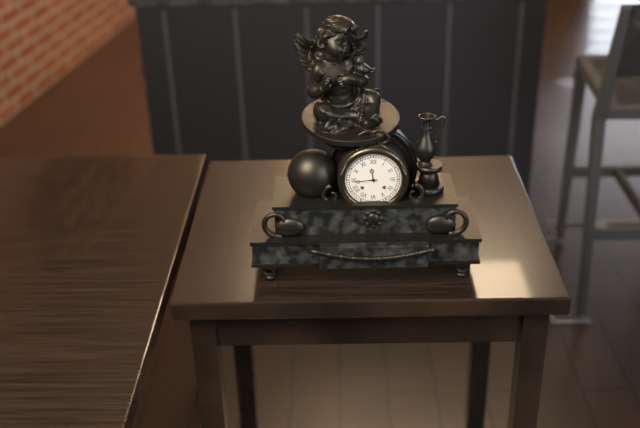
11:44
